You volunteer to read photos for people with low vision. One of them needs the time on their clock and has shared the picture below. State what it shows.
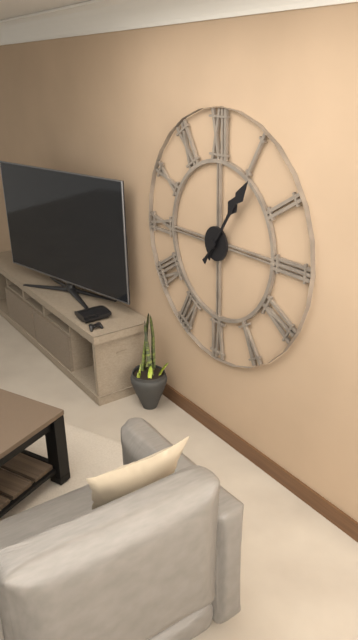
1:06
